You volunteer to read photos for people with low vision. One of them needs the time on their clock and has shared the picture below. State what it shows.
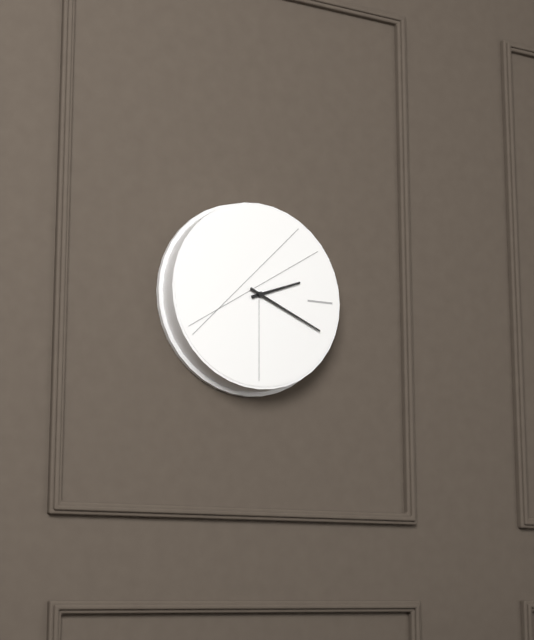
2:19
